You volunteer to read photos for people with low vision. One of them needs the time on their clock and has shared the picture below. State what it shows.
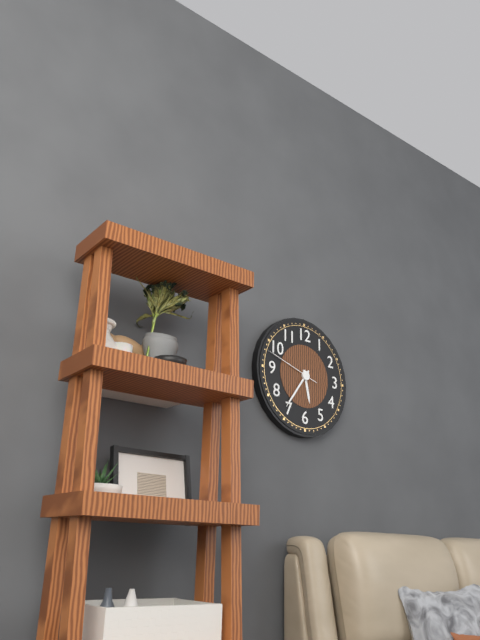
5:36:48
